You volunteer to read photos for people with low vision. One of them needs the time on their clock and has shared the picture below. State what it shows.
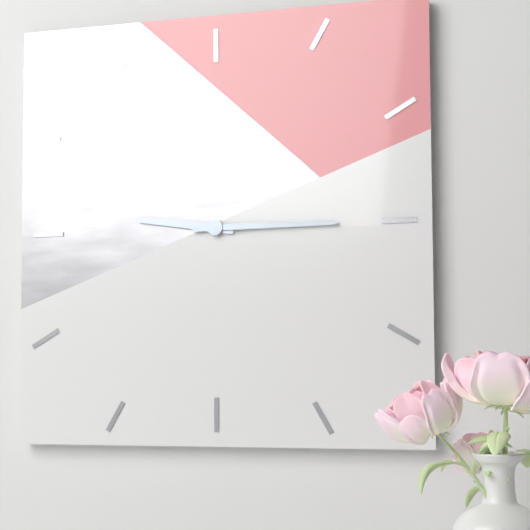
9:15
